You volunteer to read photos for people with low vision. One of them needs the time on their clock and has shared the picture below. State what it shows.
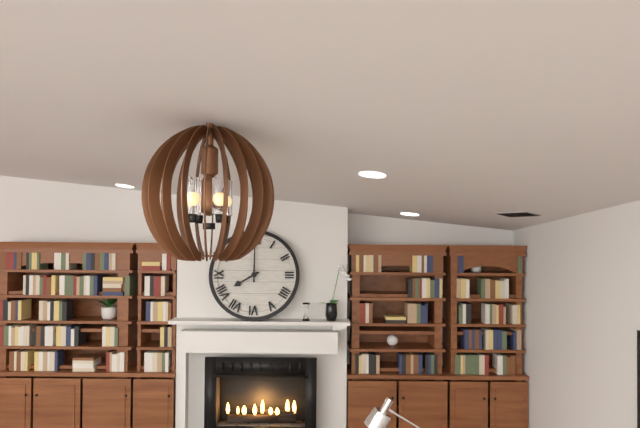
8:00
